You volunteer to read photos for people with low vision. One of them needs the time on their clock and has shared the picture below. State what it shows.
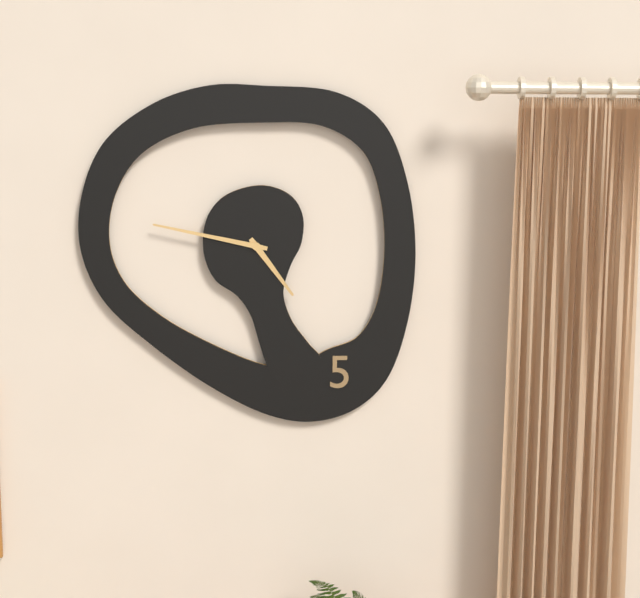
4:47
